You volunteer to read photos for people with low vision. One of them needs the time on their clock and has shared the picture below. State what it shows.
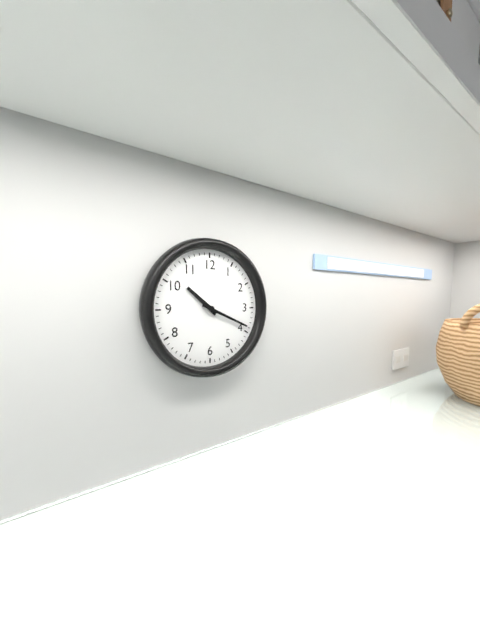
10:19
